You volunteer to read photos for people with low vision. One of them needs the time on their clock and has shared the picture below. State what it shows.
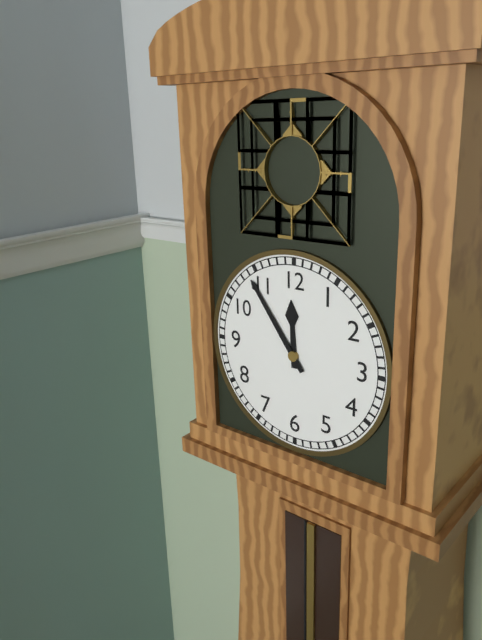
11:54
